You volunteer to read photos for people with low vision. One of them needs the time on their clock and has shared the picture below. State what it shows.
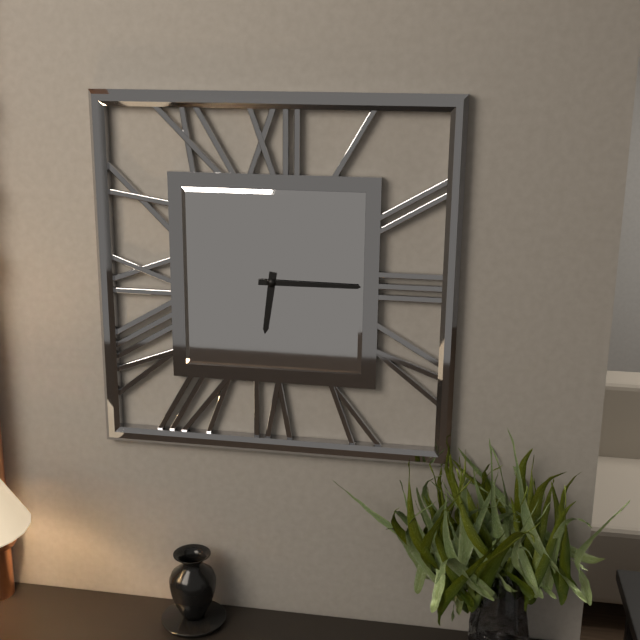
6:15
